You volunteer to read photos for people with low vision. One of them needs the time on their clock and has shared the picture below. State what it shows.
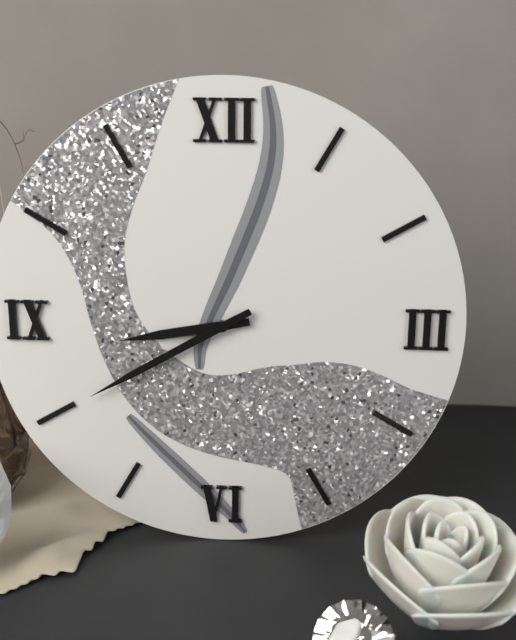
8:40
